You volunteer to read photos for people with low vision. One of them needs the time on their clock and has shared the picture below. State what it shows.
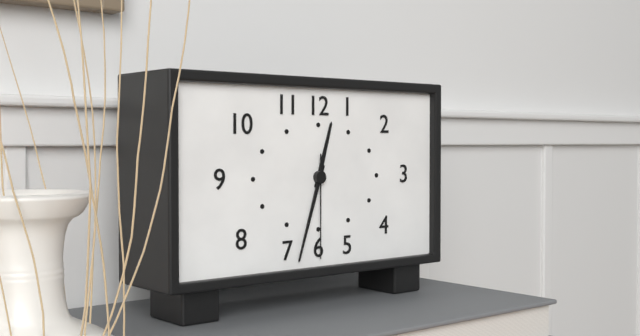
12:33:30
